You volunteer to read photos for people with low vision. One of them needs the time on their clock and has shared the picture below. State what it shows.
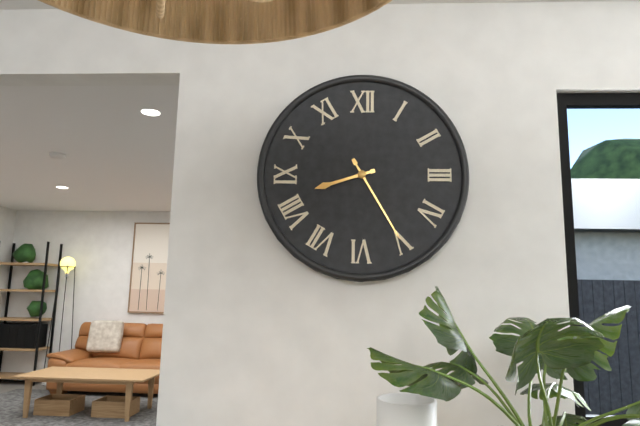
8:25
